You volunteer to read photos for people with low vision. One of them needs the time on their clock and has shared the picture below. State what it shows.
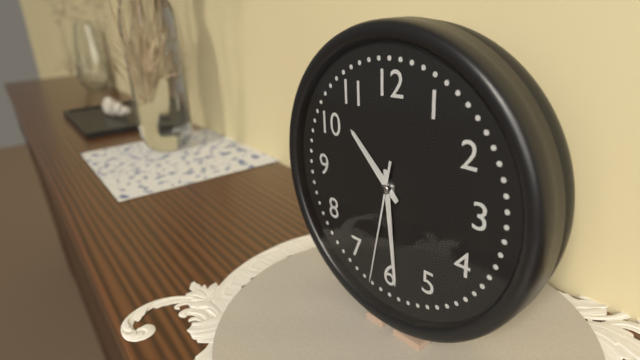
10:29:32
